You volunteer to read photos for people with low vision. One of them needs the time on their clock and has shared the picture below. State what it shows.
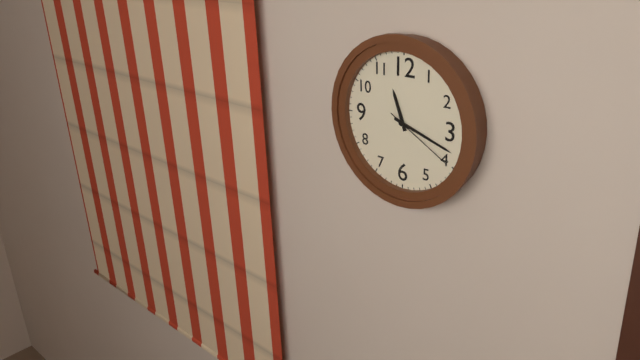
11:18:20
